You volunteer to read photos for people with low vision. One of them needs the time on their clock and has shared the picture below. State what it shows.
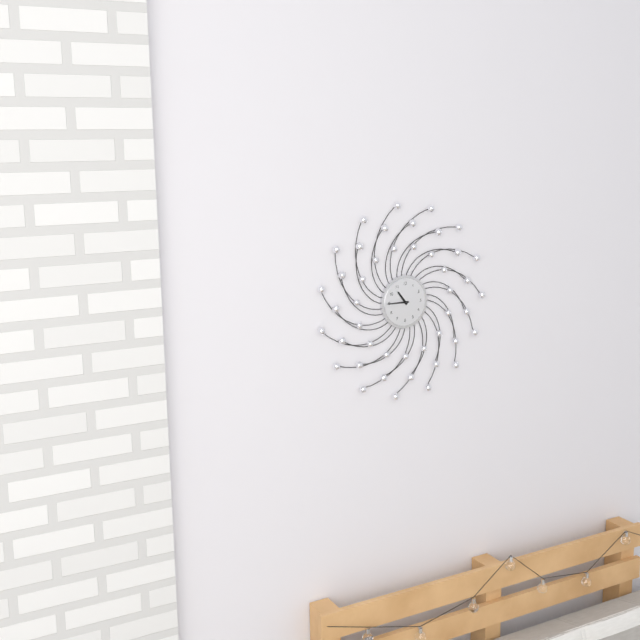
10:45
